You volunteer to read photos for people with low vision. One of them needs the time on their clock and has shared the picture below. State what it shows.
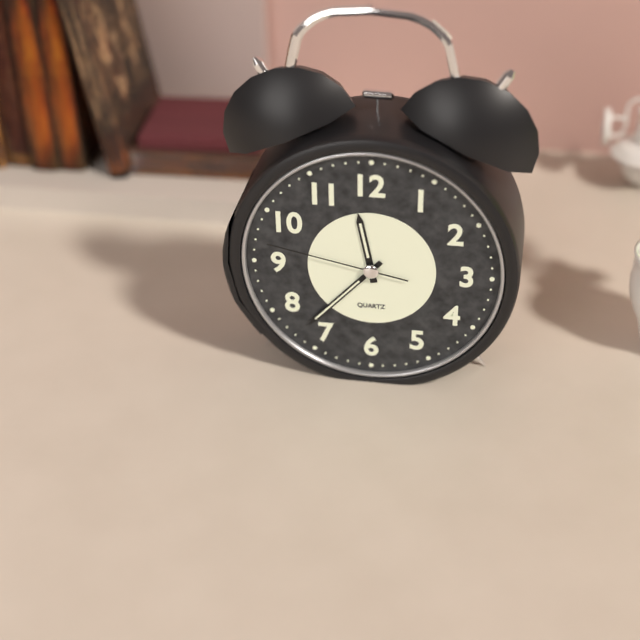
11:37:47
